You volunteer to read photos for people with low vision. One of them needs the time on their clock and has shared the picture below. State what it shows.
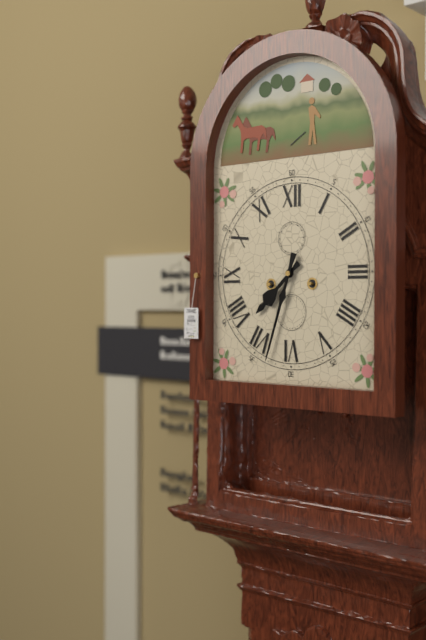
7:33
